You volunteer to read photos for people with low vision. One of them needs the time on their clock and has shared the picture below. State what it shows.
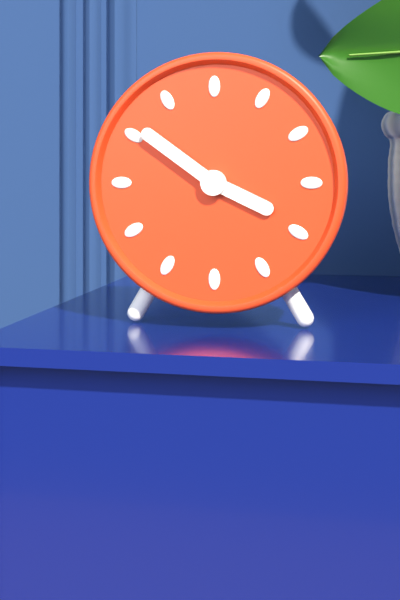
3:51
